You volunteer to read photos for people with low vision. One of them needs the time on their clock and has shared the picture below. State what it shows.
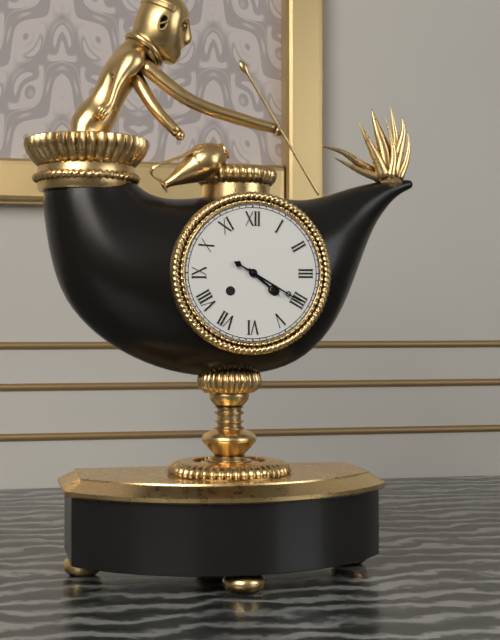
4:20
